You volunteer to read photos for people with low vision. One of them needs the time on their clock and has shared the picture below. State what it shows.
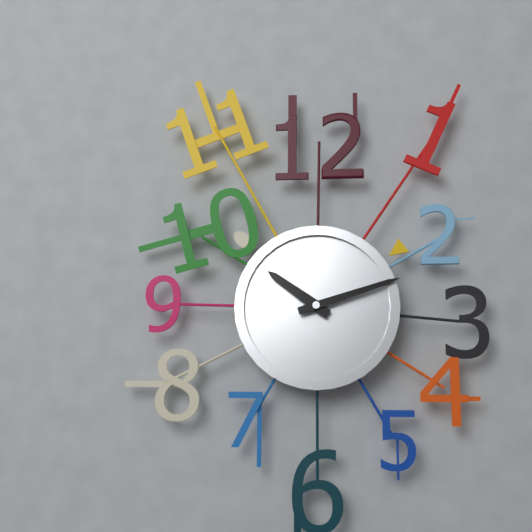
10:12
